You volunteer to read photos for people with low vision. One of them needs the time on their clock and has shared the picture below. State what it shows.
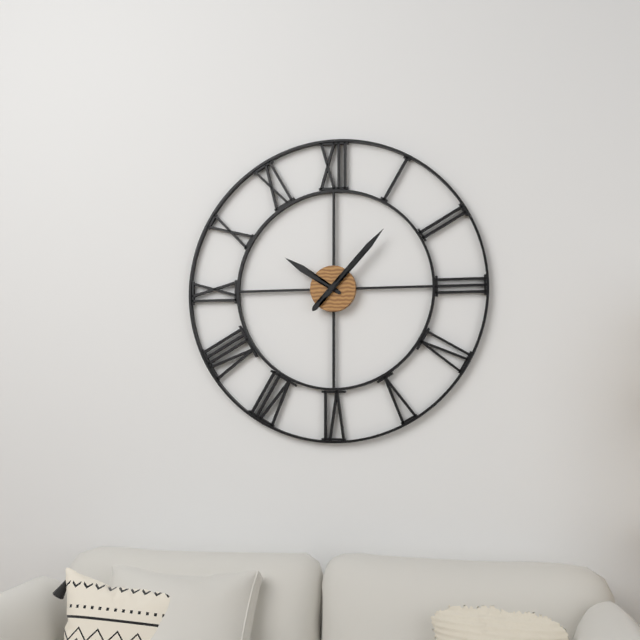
10:07
